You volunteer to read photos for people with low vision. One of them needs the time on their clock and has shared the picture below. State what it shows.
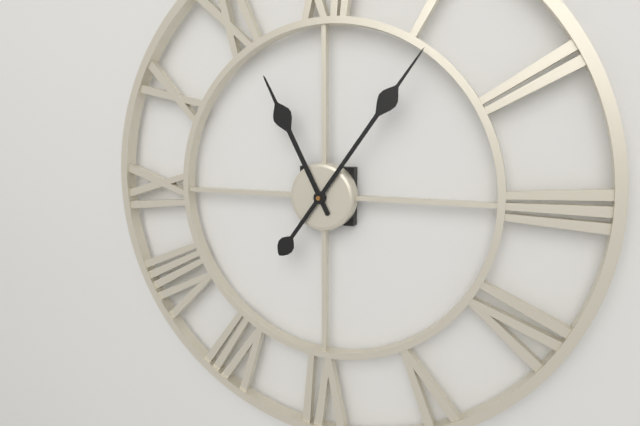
11:06
